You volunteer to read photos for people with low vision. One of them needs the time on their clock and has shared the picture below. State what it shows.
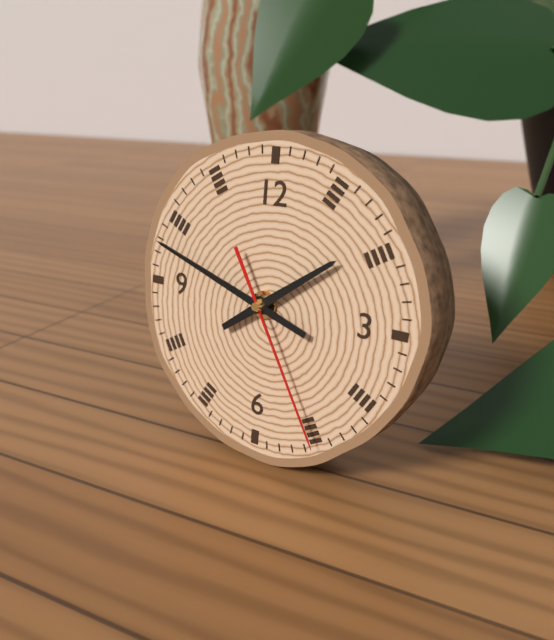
1:48:25
